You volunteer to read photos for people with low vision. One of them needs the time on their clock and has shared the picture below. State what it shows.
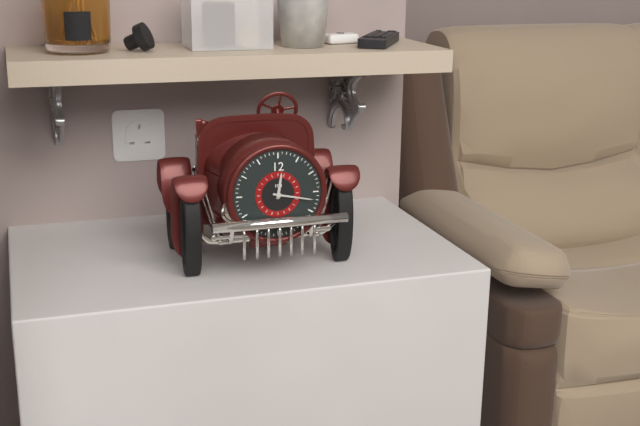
12:17
